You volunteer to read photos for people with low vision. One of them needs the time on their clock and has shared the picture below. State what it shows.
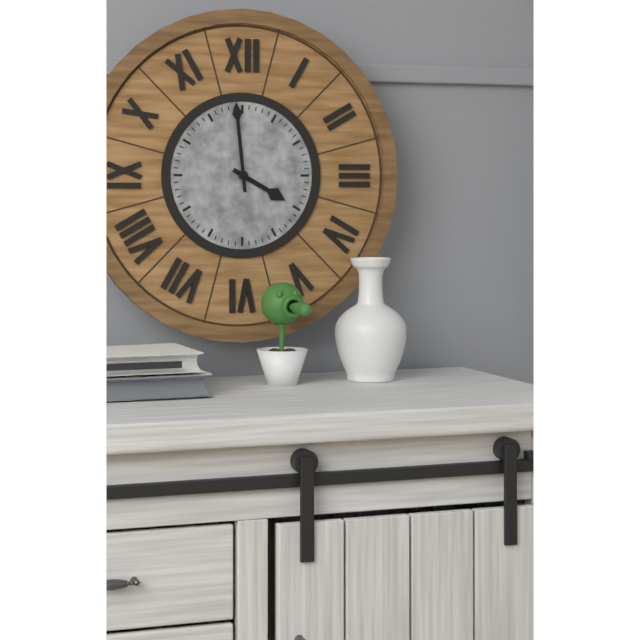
3:59
